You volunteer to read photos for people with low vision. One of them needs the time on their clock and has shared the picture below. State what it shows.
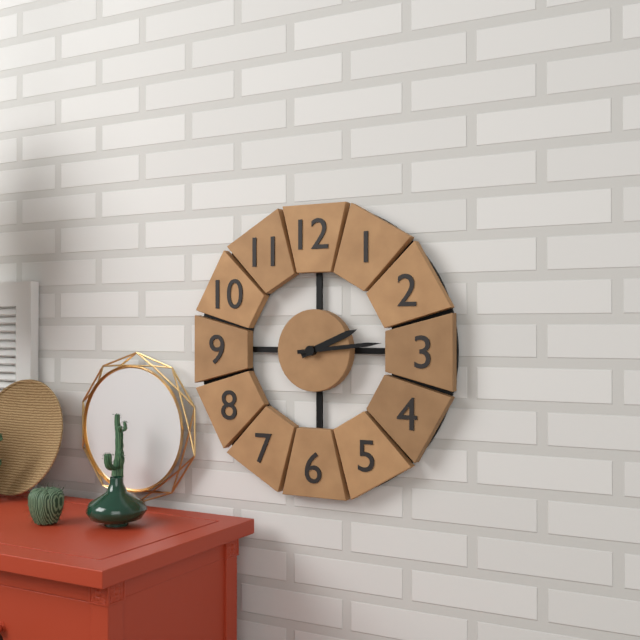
2:14
